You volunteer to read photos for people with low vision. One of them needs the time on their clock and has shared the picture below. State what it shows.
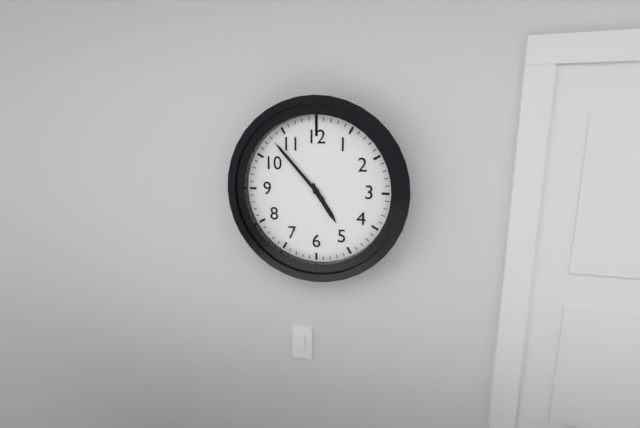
4:53
